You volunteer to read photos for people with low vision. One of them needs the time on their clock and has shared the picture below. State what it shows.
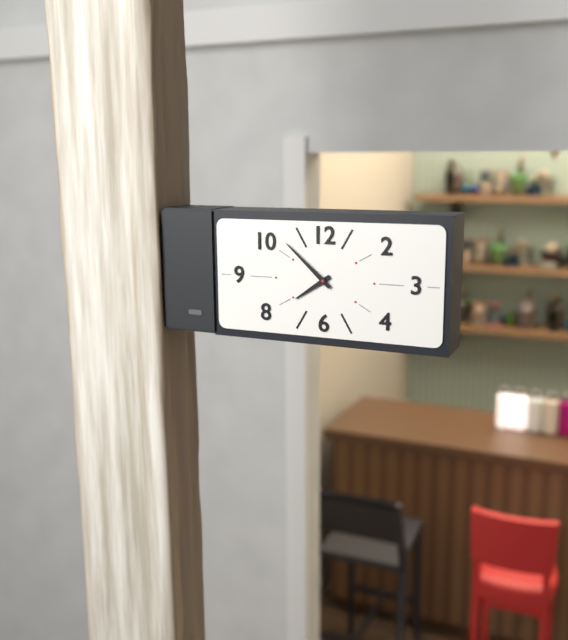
7:52
